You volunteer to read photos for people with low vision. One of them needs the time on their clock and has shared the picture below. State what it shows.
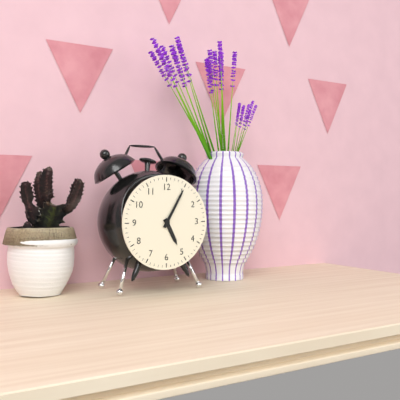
5:05
